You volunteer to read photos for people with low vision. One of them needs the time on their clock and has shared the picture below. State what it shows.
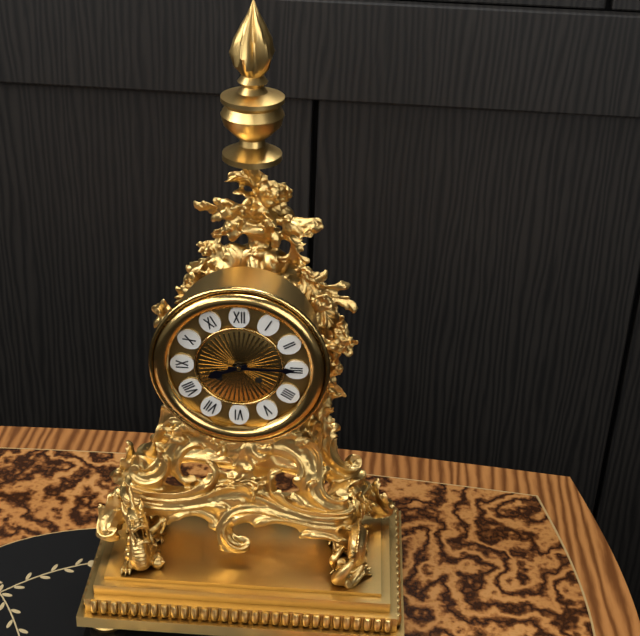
8:15
